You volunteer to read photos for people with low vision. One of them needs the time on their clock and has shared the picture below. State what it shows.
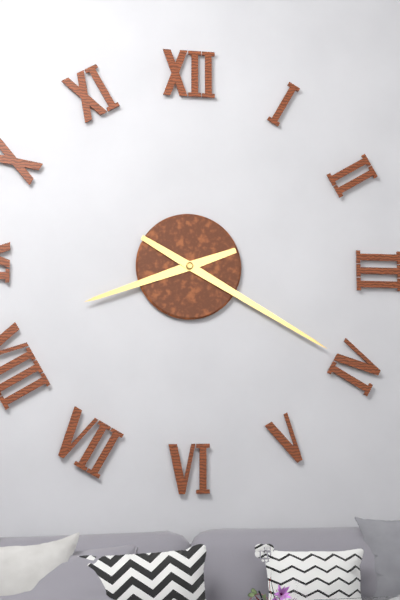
8:20
